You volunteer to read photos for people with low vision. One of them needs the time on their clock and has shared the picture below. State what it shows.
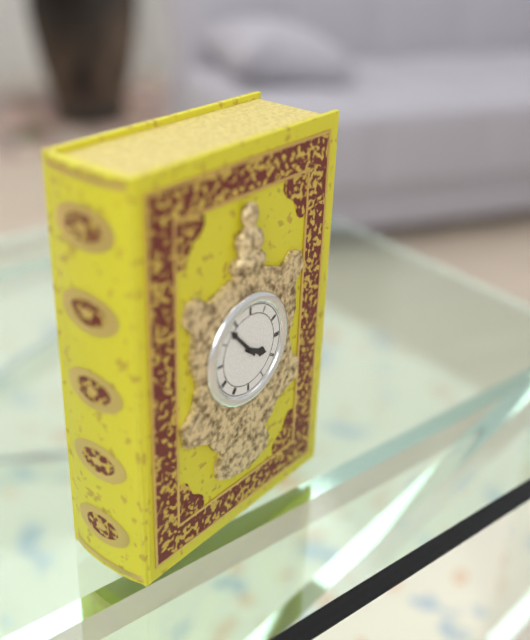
3:53
